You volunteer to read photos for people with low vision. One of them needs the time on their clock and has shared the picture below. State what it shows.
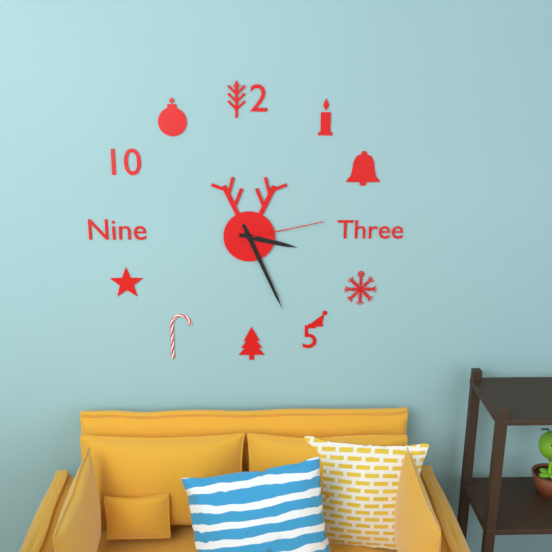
3:26:13
